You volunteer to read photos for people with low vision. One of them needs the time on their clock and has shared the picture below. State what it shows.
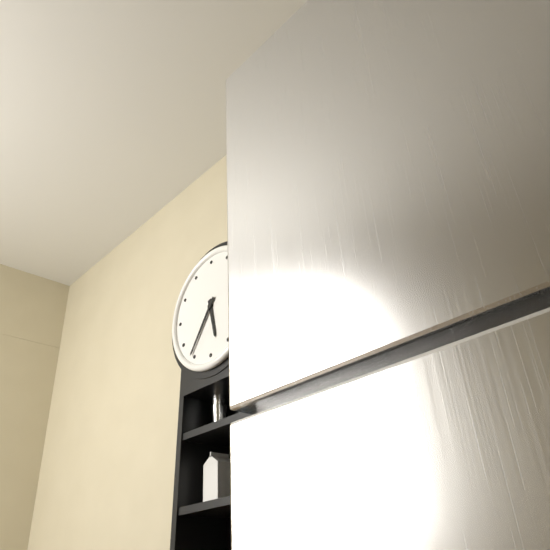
5:36
